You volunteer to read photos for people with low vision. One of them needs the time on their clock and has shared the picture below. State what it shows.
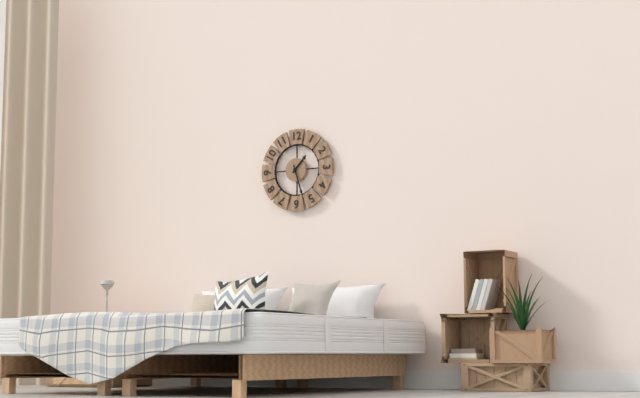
1:27
